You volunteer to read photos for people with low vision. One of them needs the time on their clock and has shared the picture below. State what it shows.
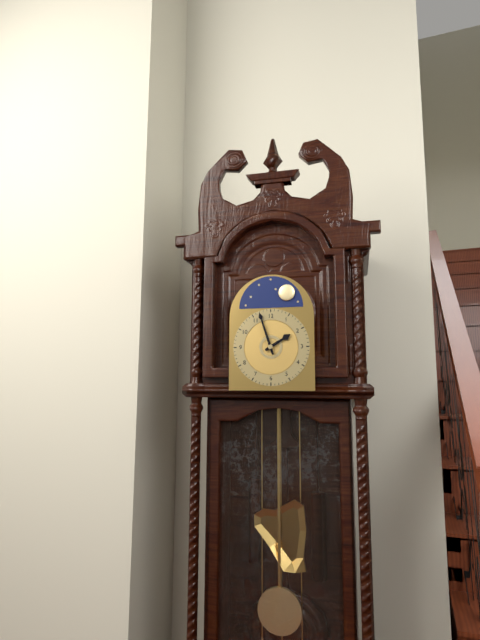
1:57
